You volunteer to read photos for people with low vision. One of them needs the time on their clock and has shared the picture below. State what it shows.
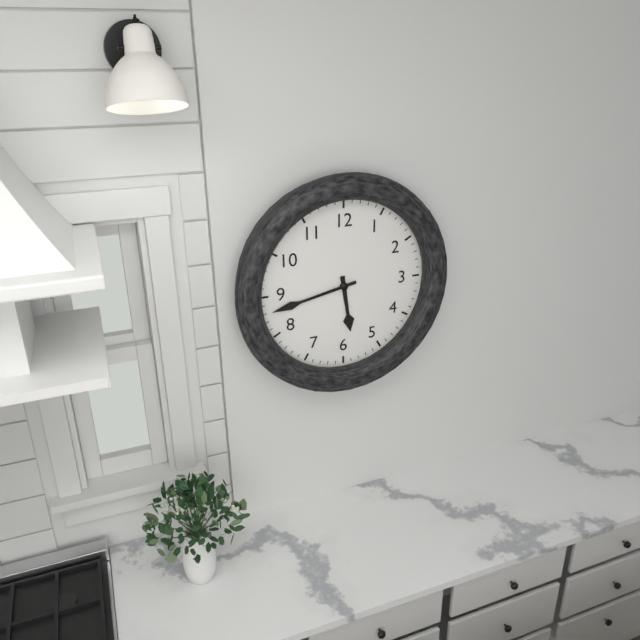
5:43
